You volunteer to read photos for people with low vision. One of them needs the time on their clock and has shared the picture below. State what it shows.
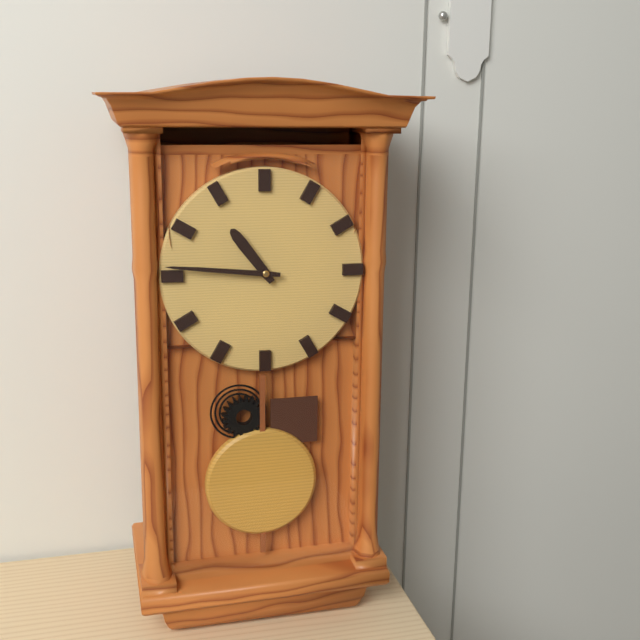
10:46
